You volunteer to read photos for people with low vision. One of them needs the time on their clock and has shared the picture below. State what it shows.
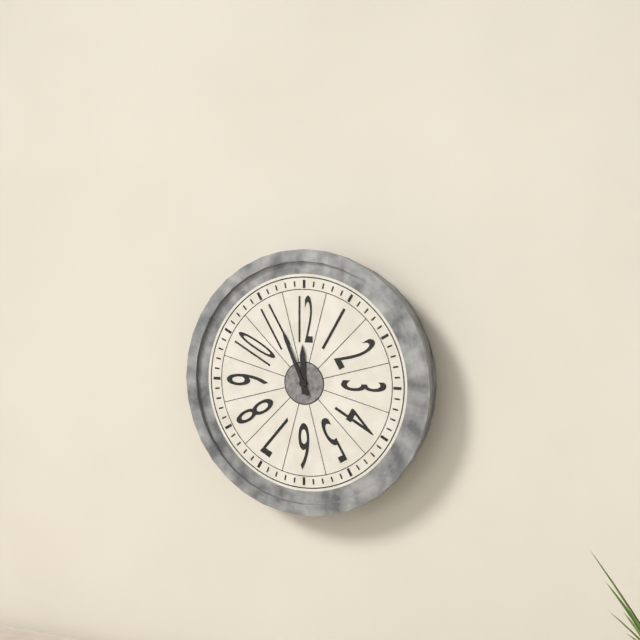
11:56
